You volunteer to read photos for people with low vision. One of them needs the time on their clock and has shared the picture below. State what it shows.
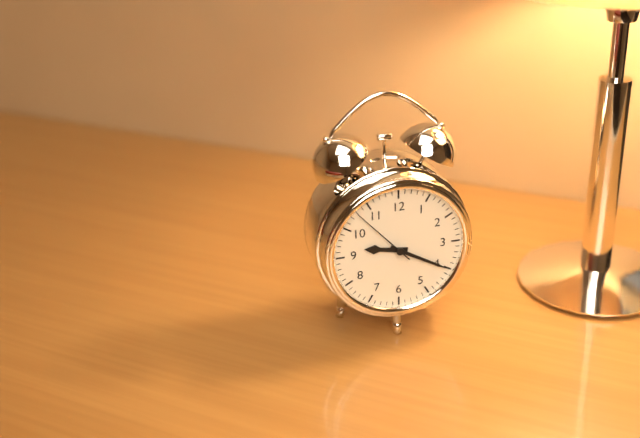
9:20:53
